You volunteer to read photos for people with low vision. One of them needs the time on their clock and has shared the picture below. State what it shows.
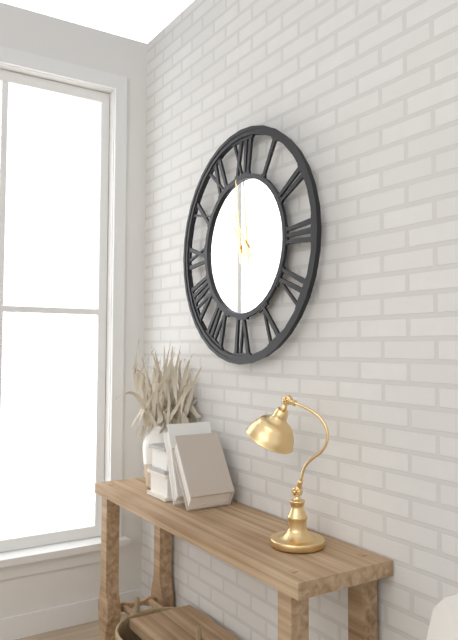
10:59
